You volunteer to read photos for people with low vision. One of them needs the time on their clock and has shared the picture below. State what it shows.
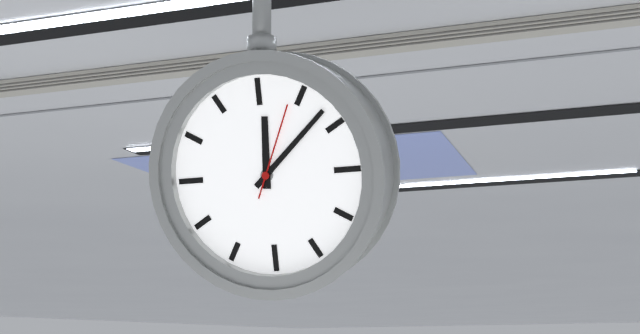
12:08:04
